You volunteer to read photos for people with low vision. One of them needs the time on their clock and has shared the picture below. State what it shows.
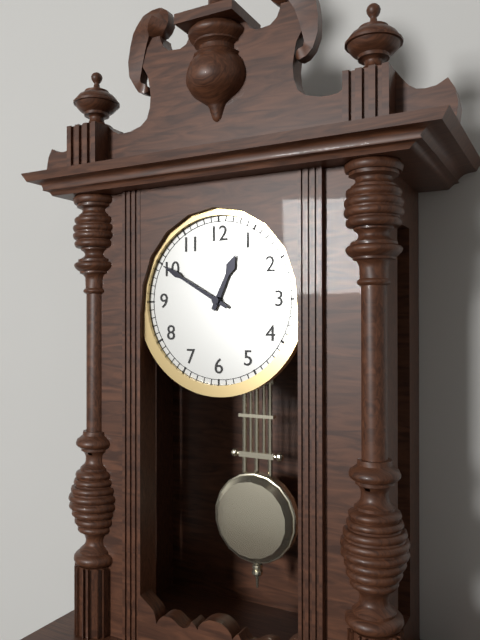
12:50
